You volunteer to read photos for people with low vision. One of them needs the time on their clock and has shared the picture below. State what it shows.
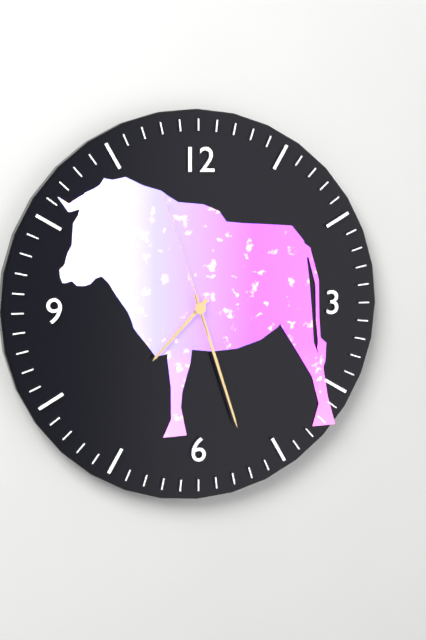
7:27:57
